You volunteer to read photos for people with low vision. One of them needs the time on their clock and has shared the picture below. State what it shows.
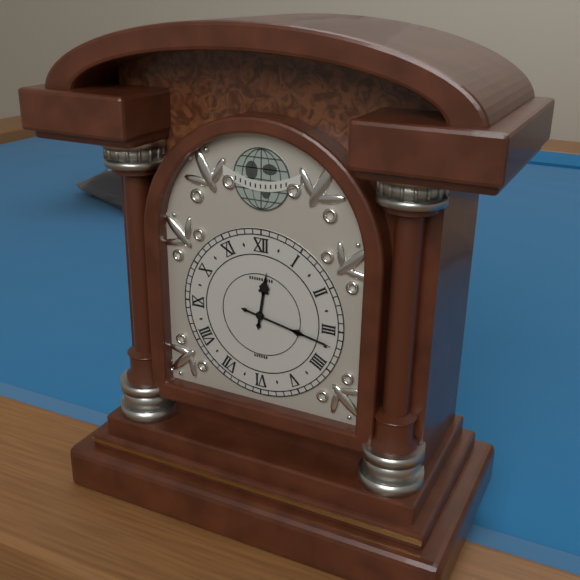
12:17
